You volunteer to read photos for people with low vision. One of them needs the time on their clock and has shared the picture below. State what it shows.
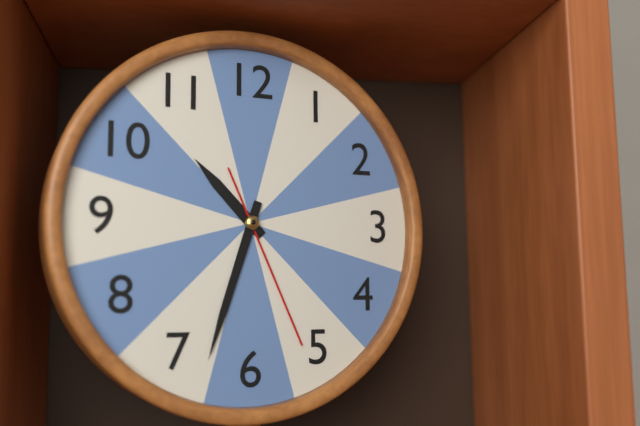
10:33:26
